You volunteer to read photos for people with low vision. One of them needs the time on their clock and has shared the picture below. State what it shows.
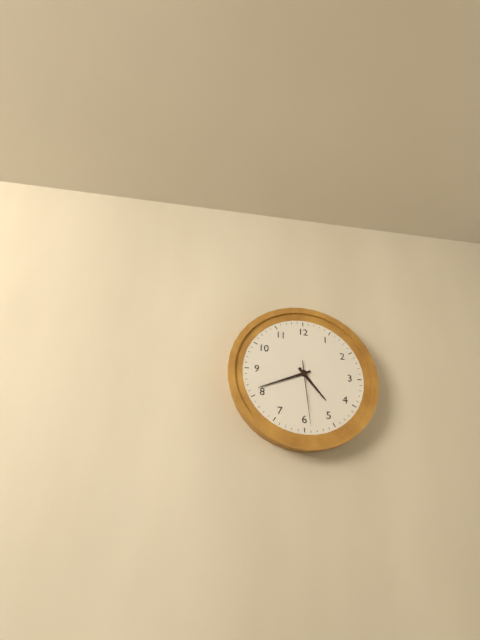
4:41:29
